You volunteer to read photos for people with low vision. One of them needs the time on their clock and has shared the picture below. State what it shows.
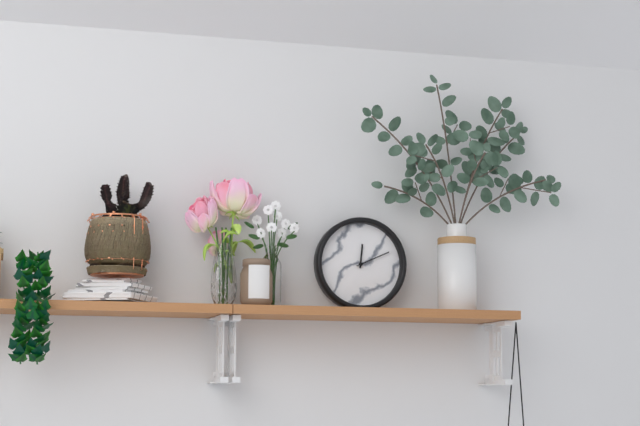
12:11
